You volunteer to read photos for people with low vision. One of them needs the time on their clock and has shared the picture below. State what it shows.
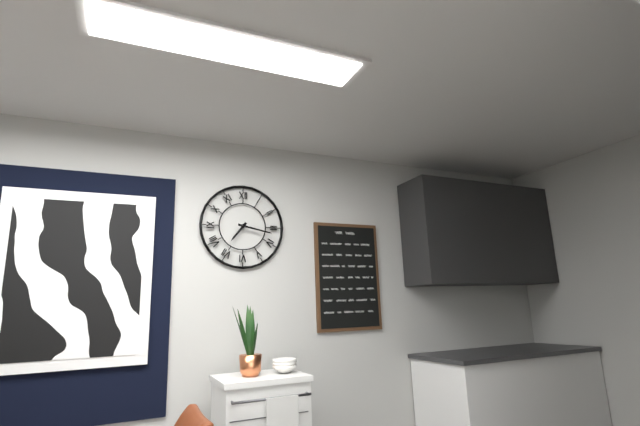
7:17
